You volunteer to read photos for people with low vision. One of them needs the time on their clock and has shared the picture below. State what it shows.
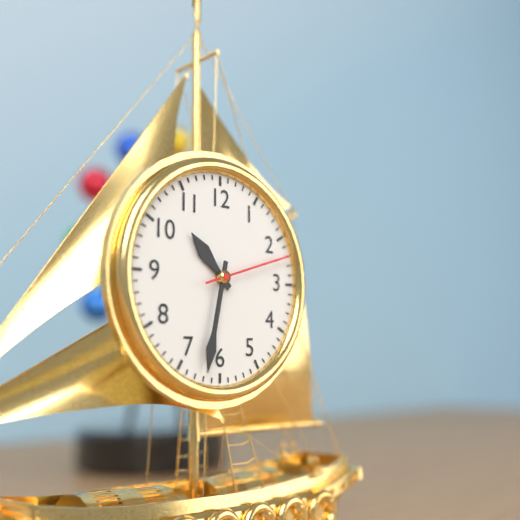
10:32:12
